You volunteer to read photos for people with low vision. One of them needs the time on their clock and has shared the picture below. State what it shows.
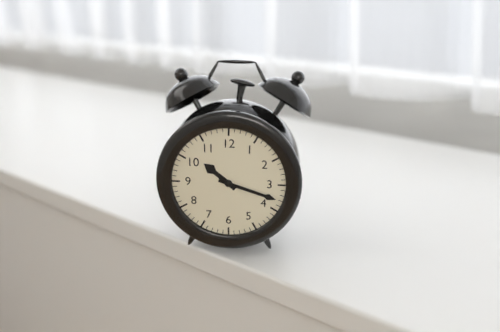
10:18
